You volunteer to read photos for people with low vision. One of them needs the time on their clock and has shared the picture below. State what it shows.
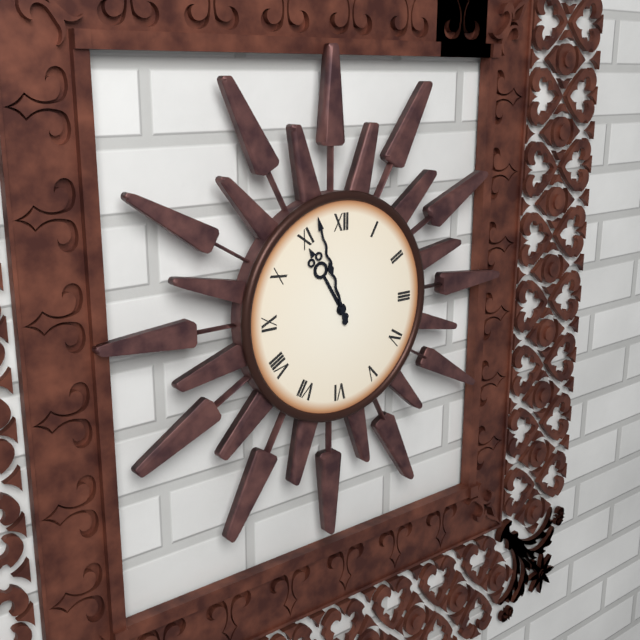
10:57
